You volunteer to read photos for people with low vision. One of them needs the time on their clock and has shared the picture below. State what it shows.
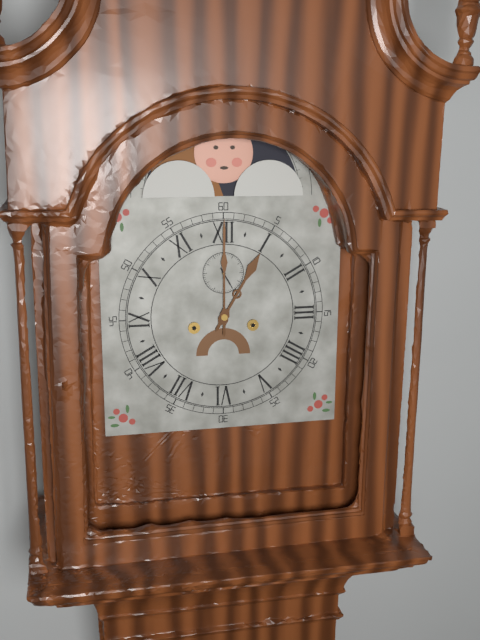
1:00
